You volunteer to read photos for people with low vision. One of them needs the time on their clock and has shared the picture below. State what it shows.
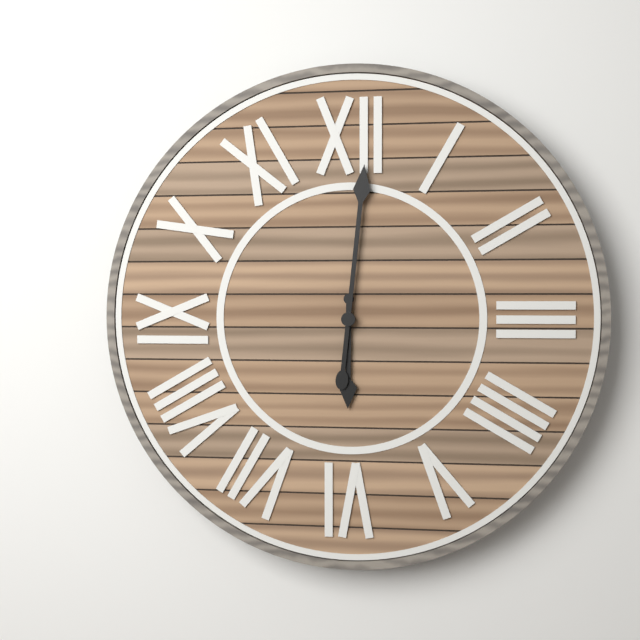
6:01
